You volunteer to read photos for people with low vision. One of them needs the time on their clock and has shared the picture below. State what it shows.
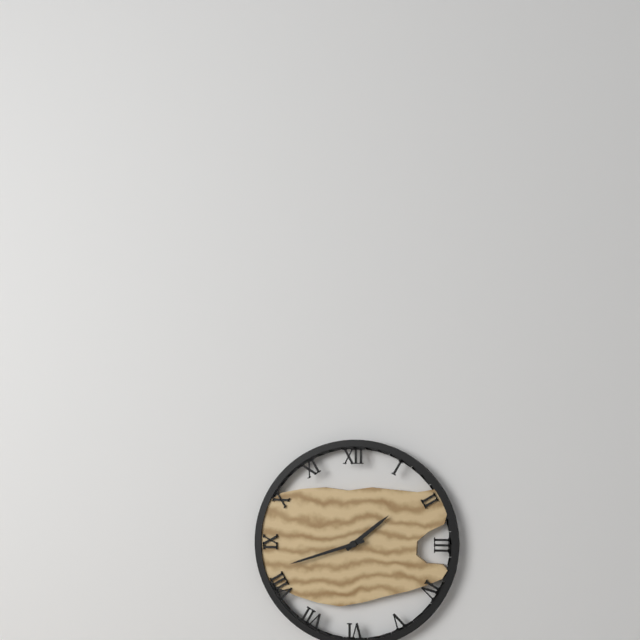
1:42
